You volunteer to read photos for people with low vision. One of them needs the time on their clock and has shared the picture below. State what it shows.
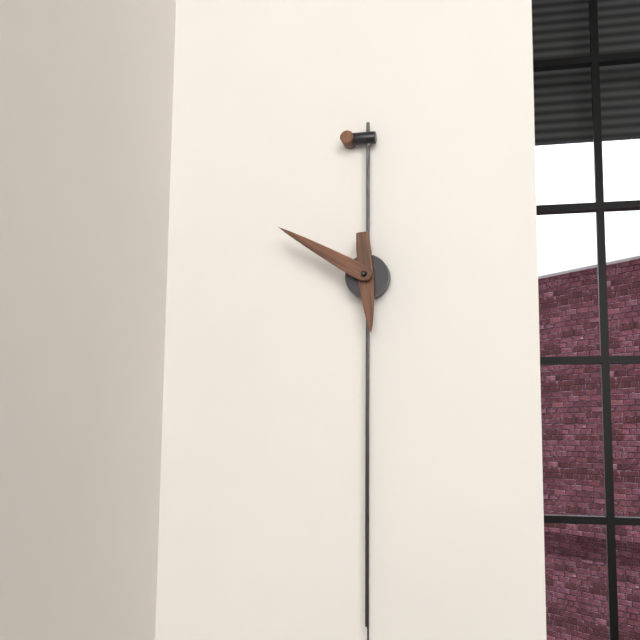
5:50
